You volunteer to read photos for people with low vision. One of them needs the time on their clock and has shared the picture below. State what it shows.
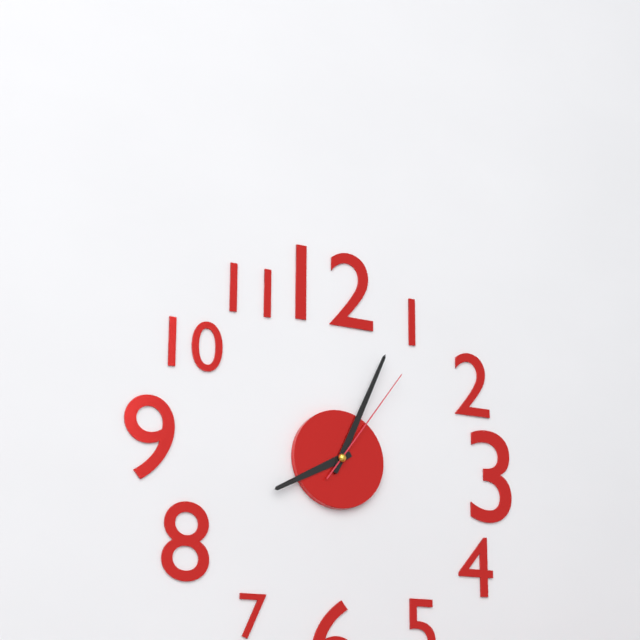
8:04:06
